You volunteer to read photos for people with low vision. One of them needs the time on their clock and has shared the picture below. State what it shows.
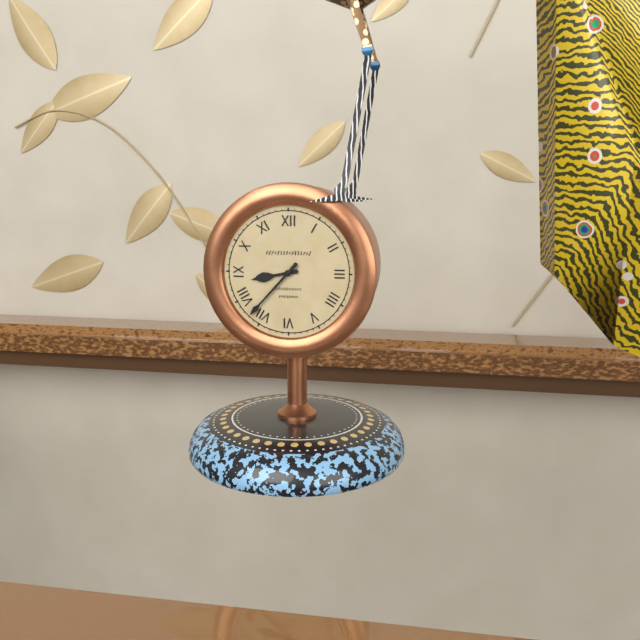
8:37
